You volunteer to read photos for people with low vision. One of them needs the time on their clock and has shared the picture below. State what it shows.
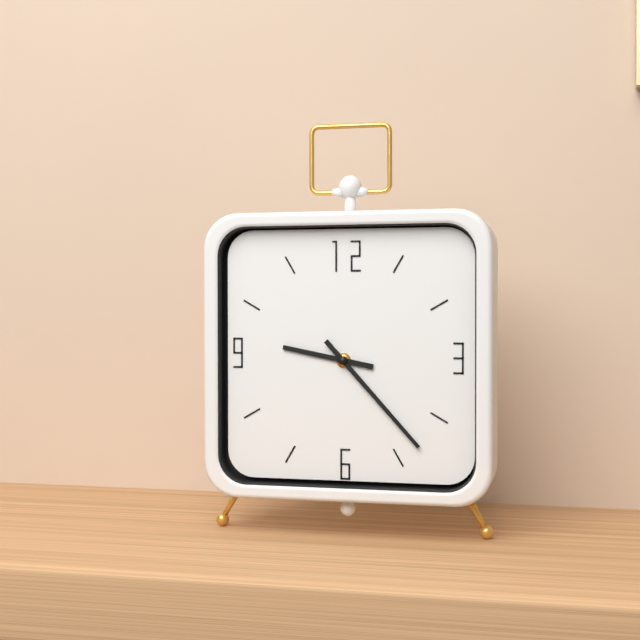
9:23
